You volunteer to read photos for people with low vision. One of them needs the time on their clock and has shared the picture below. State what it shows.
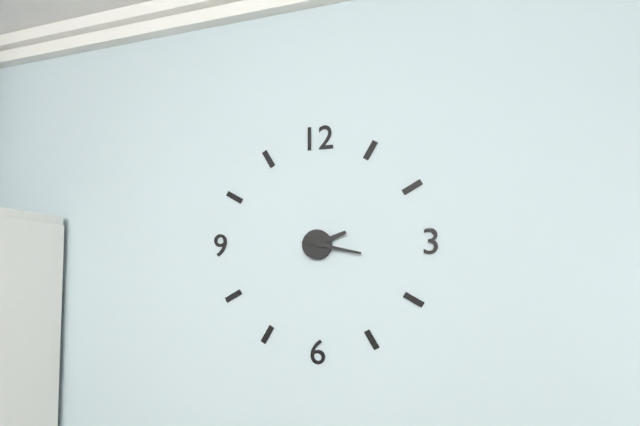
2:17
